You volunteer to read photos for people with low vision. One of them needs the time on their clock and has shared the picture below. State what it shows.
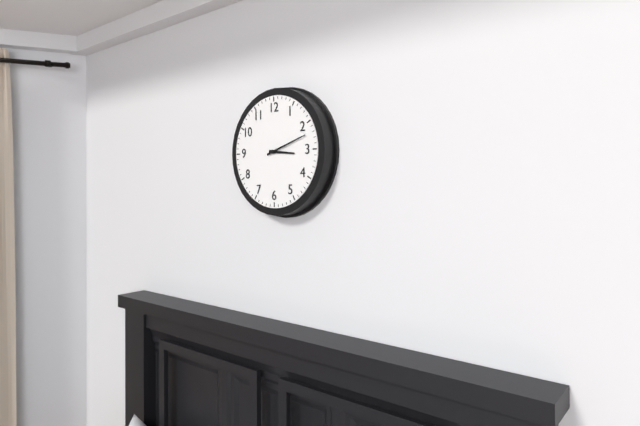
3:12
